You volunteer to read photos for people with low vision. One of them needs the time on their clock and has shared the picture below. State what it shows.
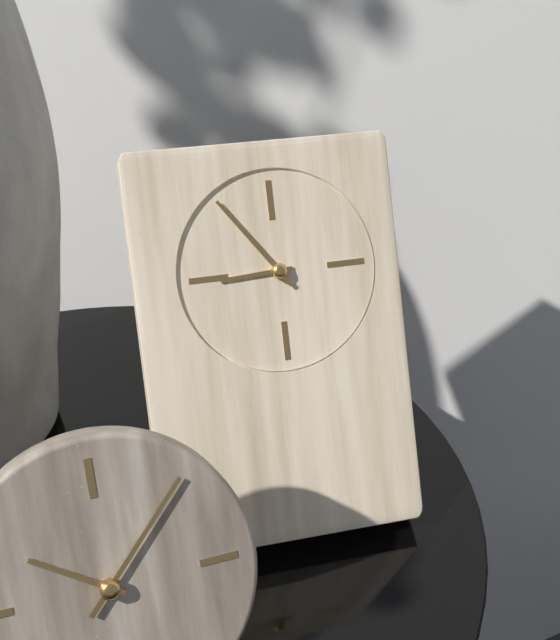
8:54
